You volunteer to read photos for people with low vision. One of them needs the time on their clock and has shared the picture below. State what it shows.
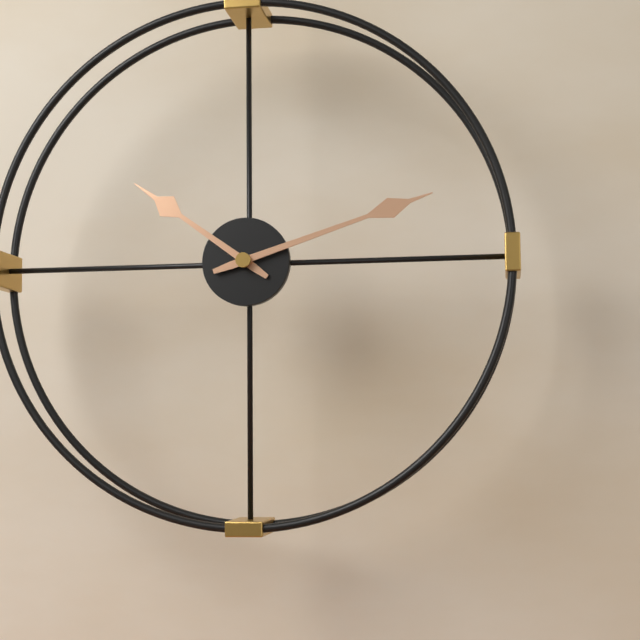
10:12
